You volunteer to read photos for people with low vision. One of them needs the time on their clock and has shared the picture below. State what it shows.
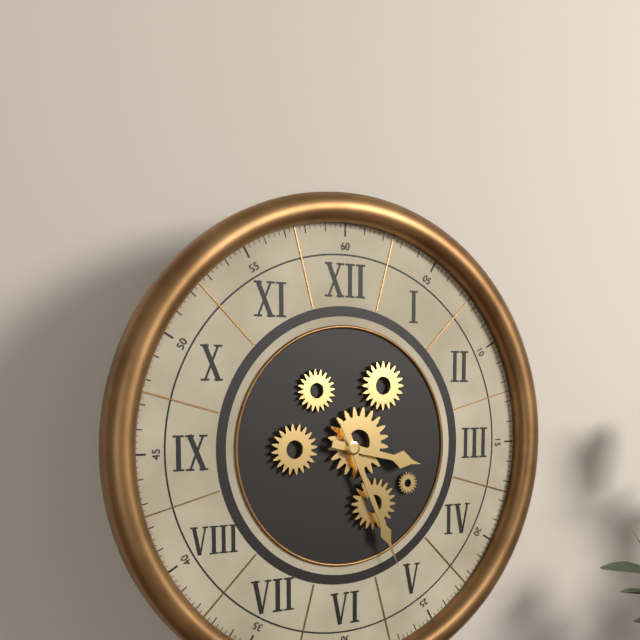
3:26
